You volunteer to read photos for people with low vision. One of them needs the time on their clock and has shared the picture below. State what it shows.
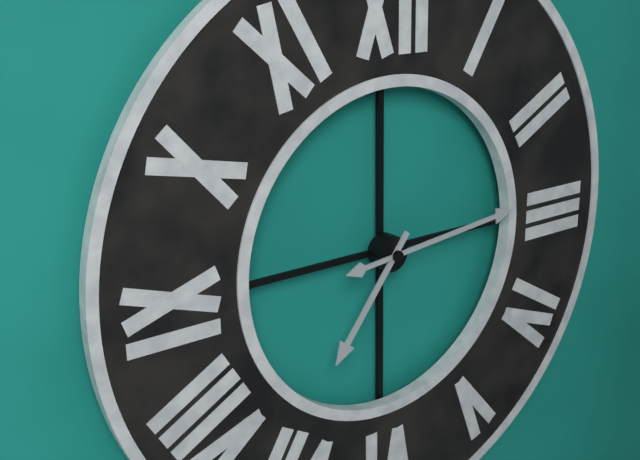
7:14
